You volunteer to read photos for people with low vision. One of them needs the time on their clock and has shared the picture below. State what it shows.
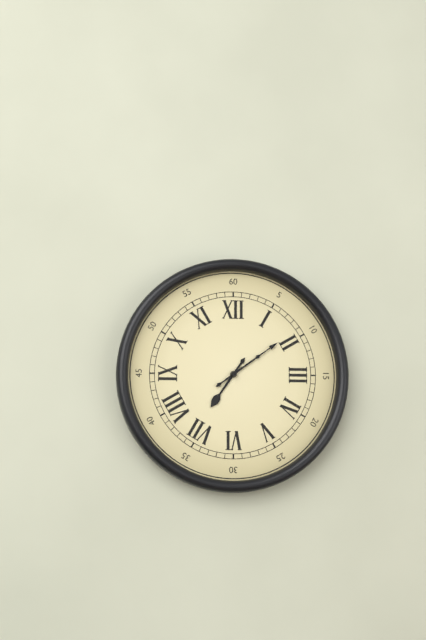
7:09
